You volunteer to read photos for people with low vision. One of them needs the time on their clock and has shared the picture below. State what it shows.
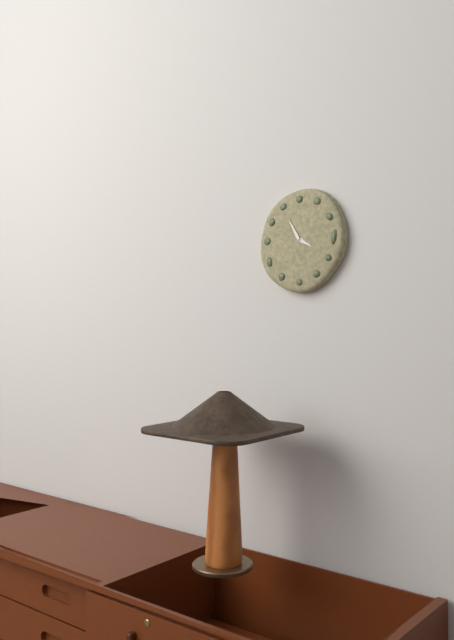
3:55
